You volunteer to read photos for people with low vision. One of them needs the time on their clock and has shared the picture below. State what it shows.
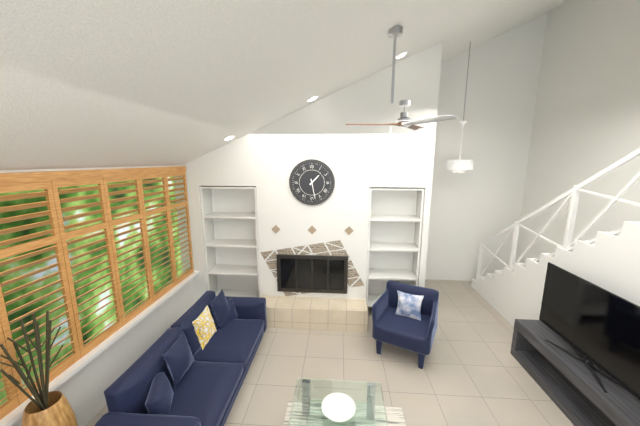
1:28
